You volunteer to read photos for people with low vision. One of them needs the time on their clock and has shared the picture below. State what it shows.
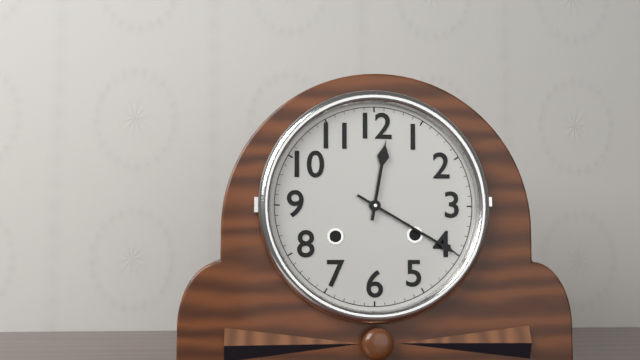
12:20
